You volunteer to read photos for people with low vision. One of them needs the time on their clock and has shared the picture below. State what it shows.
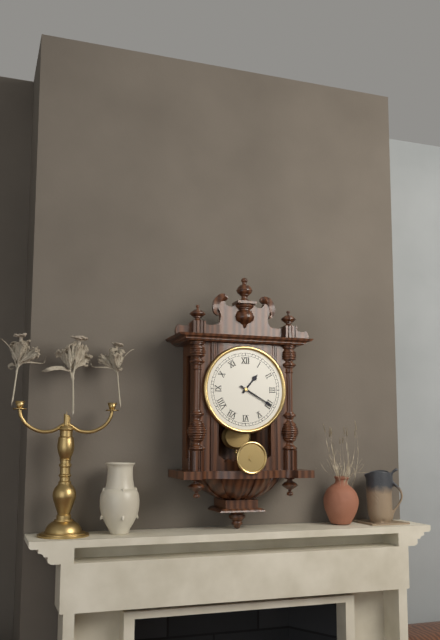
1:20
